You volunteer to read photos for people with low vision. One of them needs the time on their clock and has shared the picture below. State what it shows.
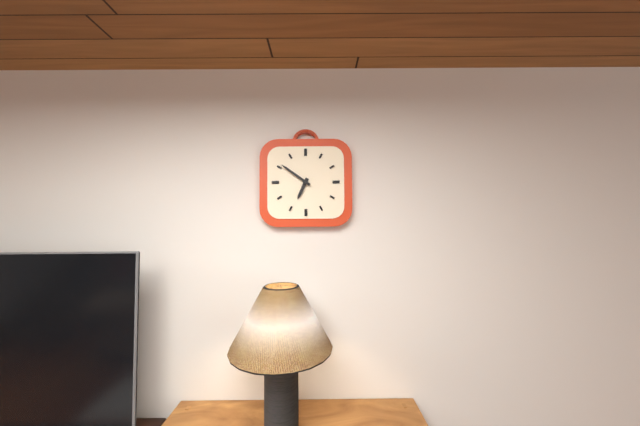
6:51
